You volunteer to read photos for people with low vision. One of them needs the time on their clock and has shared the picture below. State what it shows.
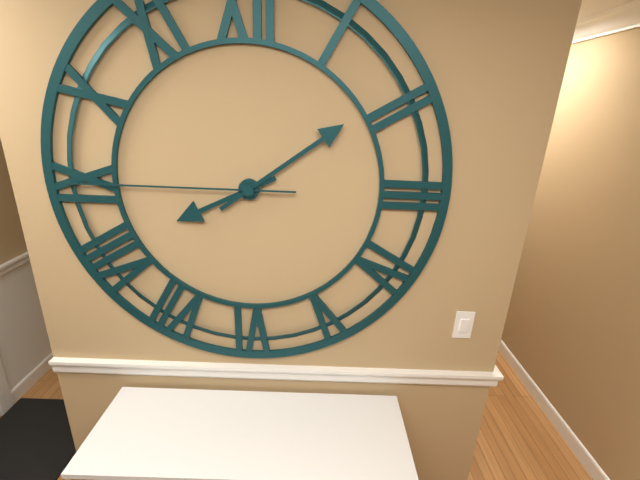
8:09:45
